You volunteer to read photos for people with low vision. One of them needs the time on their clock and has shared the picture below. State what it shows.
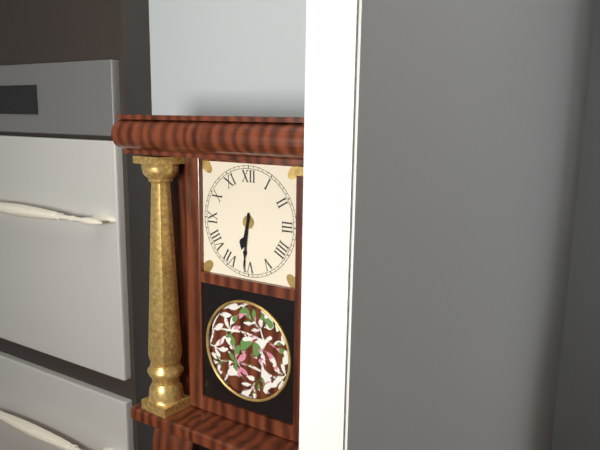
6:31
